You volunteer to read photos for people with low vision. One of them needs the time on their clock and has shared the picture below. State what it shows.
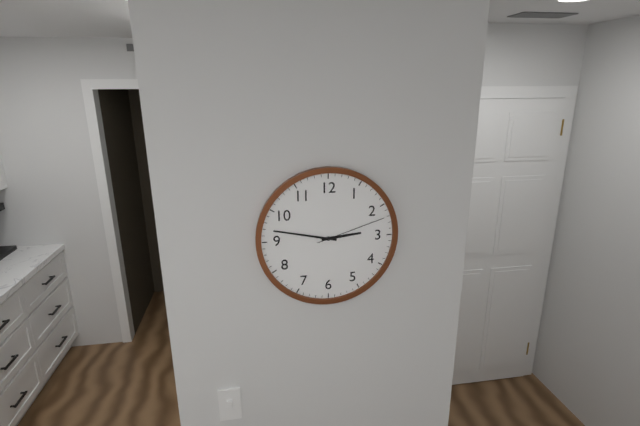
2:47:12
